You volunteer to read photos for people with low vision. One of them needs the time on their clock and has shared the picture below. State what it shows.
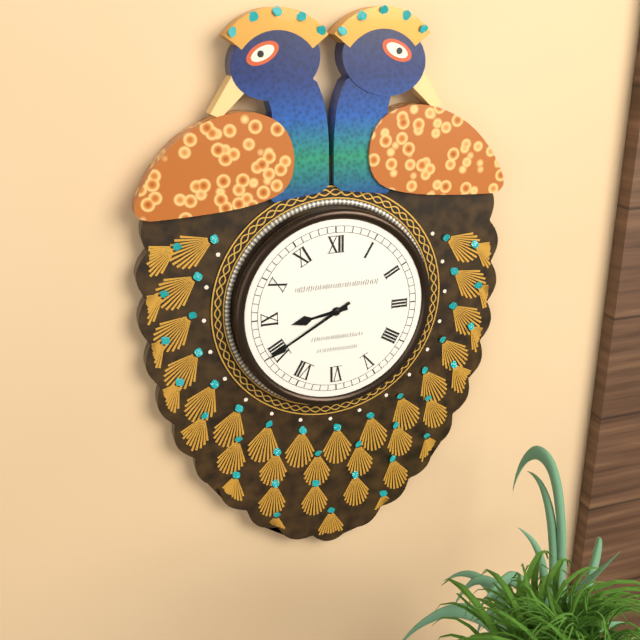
8:40
